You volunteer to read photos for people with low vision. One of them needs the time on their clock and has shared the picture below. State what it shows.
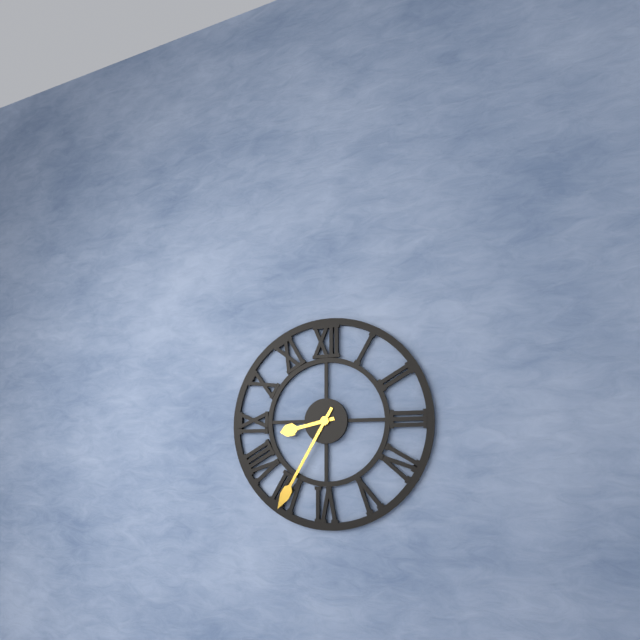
8:35
